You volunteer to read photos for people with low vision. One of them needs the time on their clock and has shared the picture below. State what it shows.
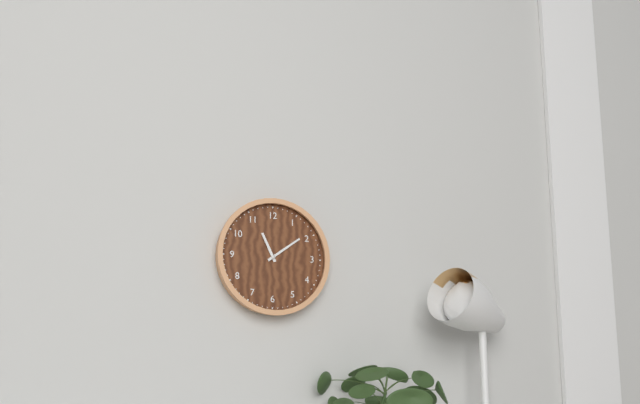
11:09
